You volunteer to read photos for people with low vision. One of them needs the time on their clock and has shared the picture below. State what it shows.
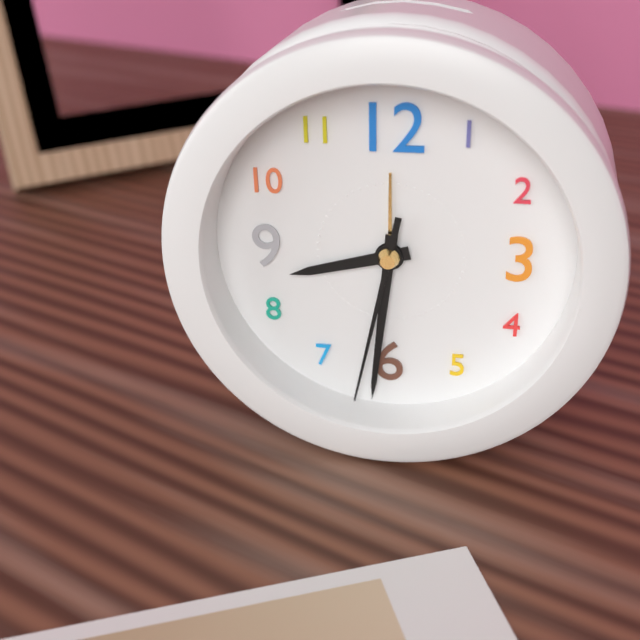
8:31:32
